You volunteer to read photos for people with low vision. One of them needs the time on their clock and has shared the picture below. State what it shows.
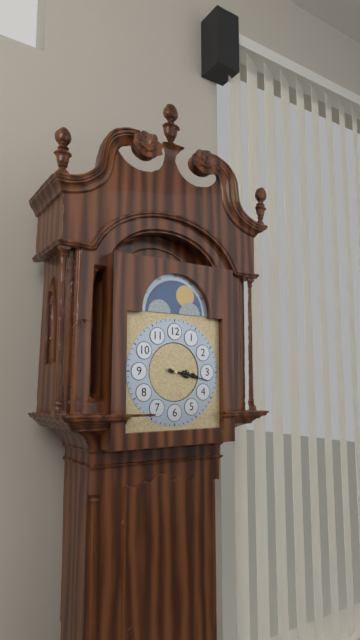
3:17
